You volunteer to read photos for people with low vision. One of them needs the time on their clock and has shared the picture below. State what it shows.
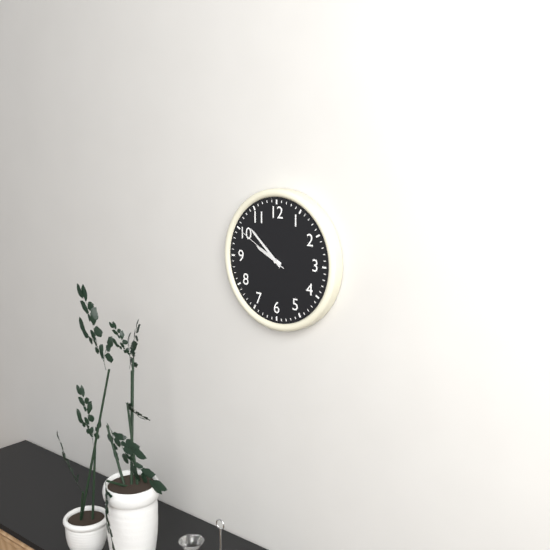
9:52:50
